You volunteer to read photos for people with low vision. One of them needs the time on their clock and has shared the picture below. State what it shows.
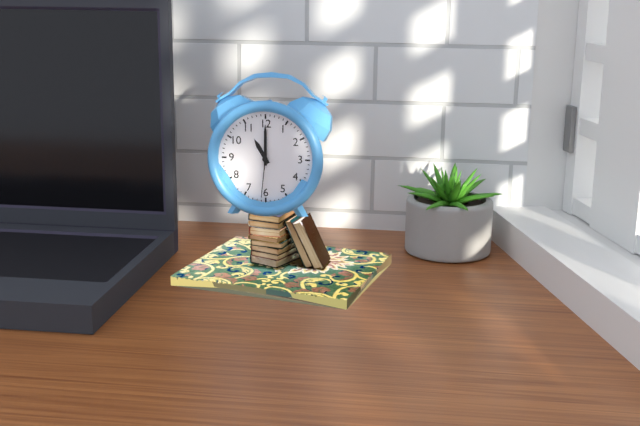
11:00
